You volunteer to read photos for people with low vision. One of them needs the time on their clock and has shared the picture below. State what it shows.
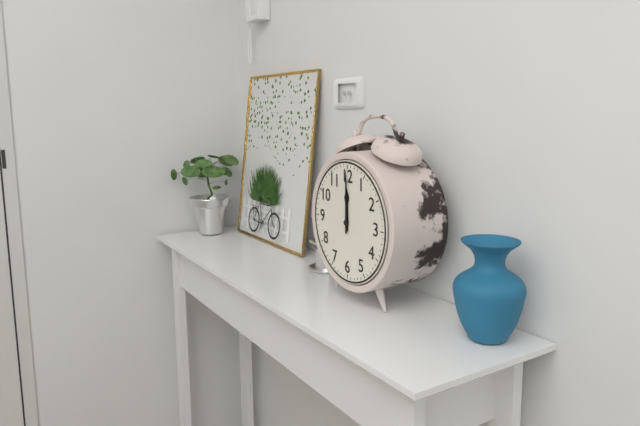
12:00
